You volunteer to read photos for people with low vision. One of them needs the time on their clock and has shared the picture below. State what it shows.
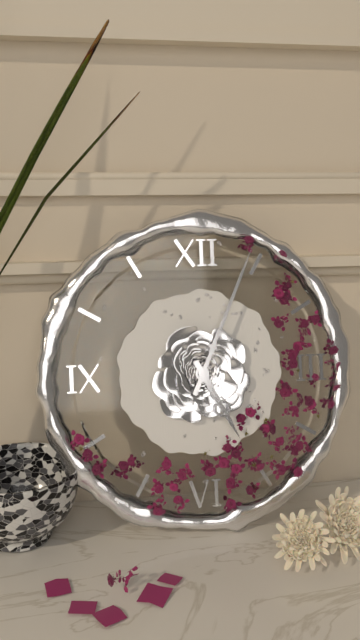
5:04
